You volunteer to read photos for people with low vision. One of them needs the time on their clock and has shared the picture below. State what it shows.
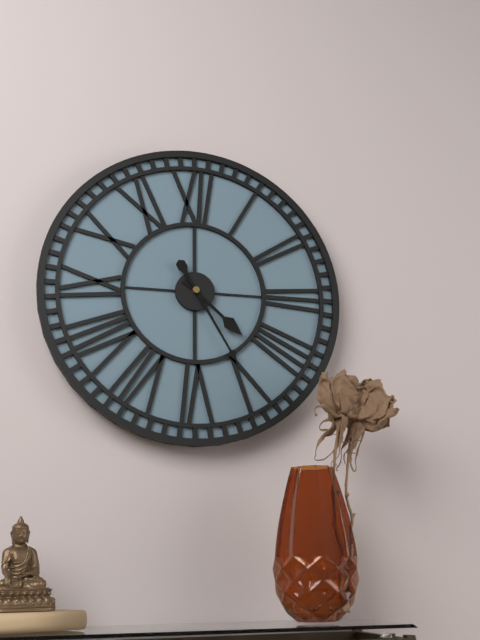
4:25
